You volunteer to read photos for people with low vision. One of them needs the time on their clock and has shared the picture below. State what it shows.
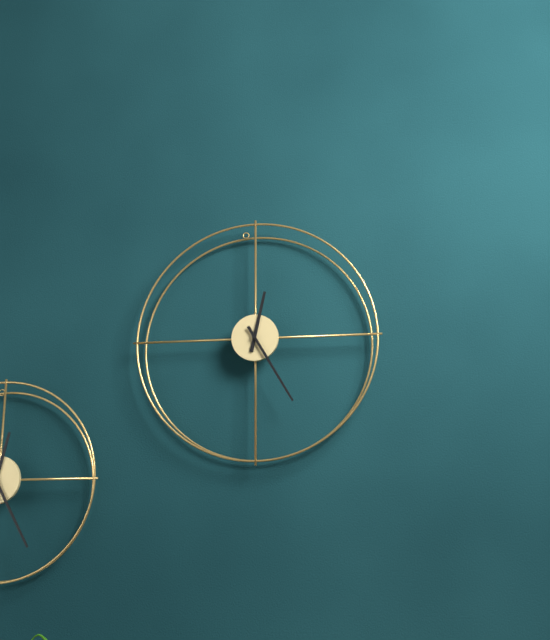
12:25
